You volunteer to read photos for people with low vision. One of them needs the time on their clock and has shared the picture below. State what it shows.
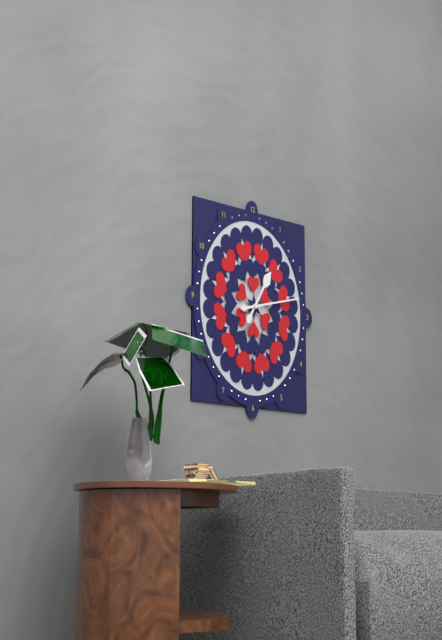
1:13
